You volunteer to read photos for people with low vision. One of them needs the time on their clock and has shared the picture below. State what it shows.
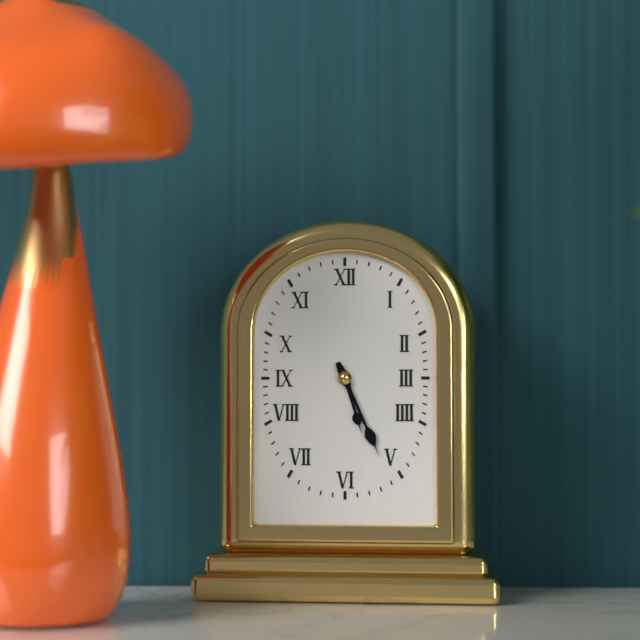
5:26
